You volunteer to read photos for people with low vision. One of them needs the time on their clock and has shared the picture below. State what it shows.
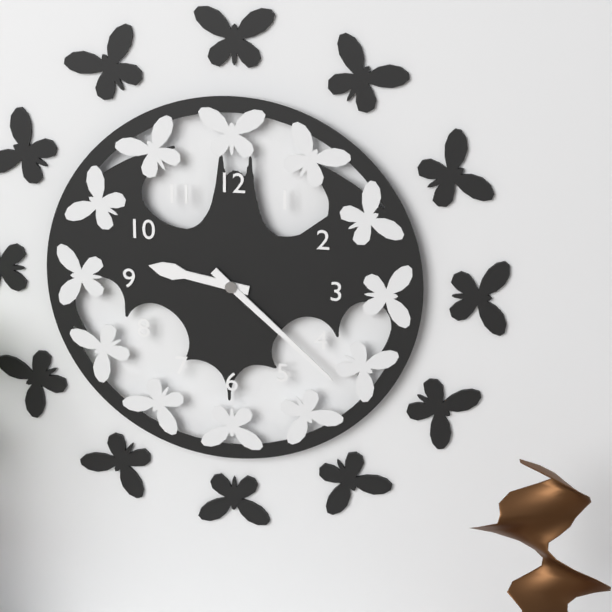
9:22
